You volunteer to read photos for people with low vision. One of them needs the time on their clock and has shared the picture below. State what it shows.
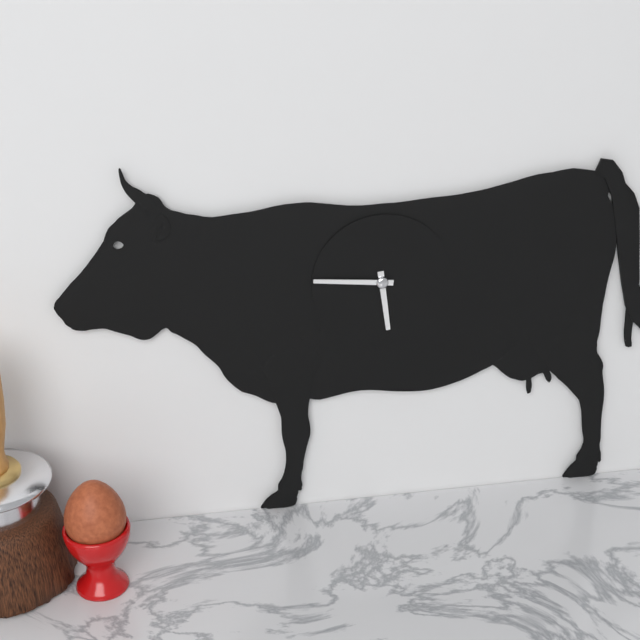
5:46
